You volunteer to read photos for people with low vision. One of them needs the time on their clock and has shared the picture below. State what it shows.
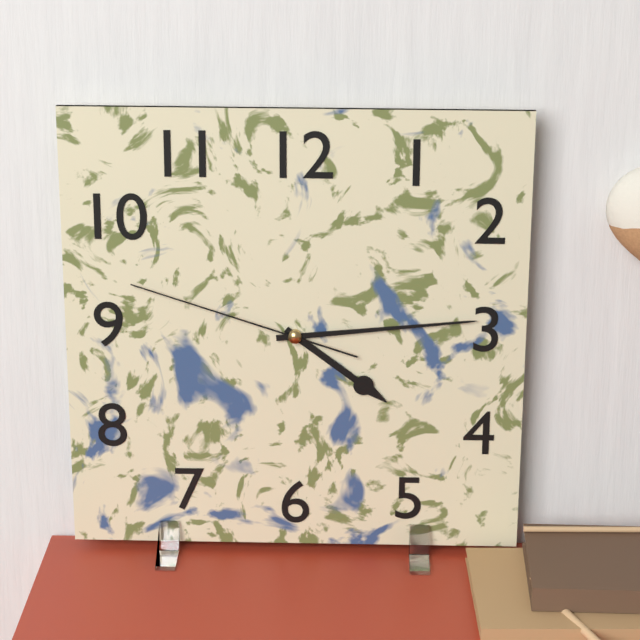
4:14:48
